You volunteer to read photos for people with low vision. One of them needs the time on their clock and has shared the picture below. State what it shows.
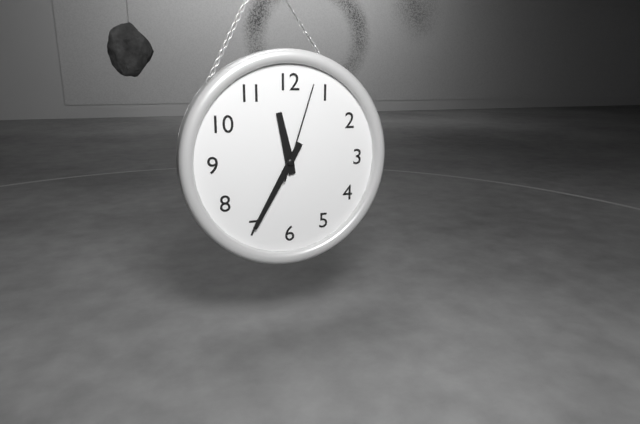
11:35:03
